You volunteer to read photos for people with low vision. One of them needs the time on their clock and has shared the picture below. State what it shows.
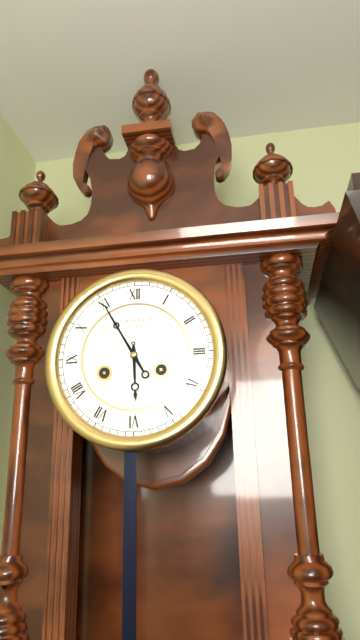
5:55
